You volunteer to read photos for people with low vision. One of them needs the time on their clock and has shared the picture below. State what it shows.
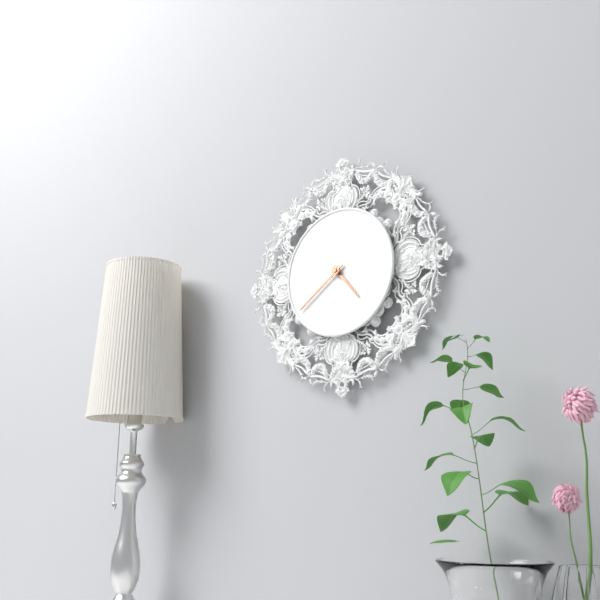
4:39
